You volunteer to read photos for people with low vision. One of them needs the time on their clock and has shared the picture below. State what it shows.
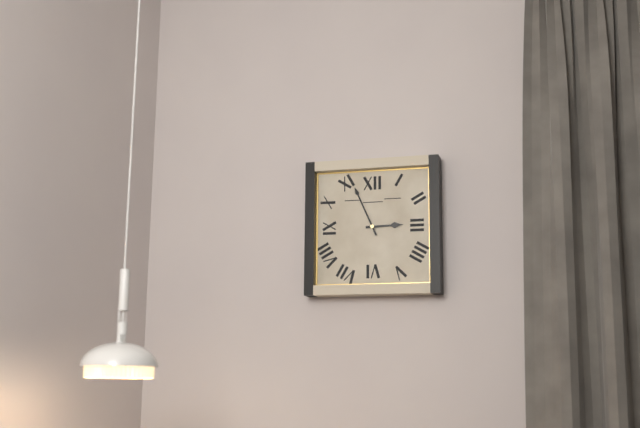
2:56
